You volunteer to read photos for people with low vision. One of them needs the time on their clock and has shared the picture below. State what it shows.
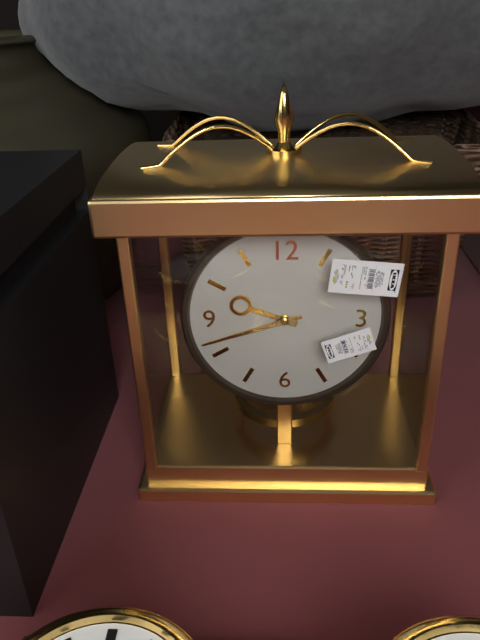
9:42
